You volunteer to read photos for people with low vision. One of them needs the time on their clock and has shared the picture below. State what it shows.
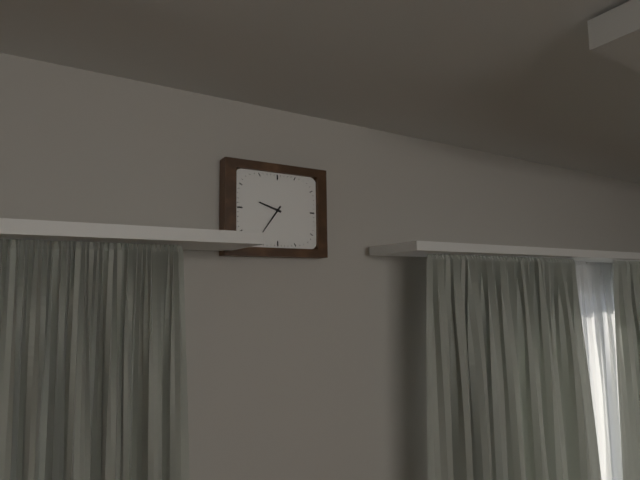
9:36
